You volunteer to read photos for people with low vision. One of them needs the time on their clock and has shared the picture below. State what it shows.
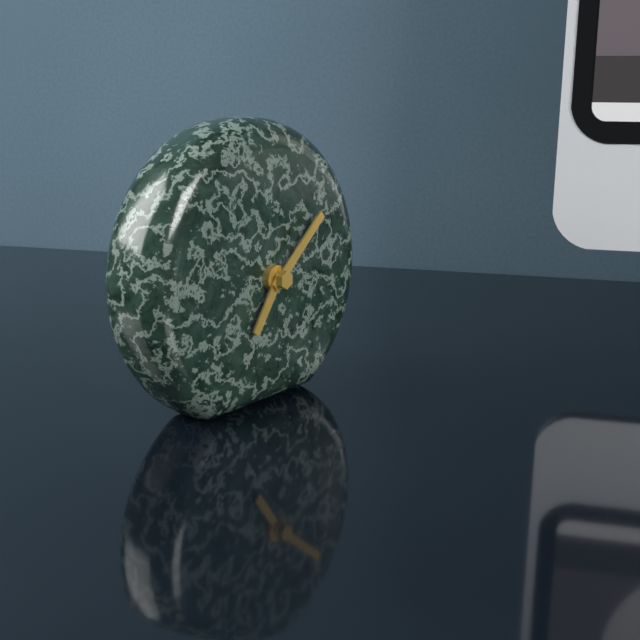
7:08
